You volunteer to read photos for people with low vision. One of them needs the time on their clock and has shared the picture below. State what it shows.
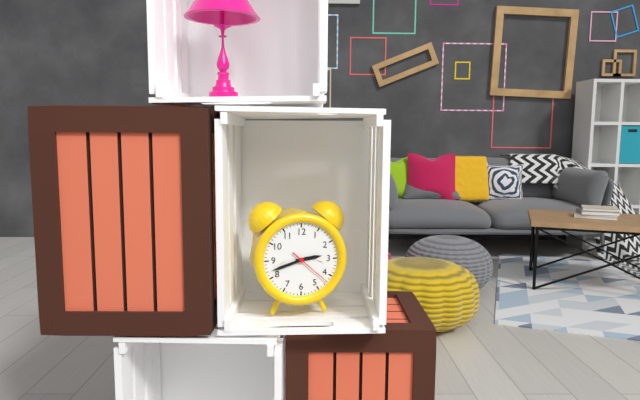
2:42
